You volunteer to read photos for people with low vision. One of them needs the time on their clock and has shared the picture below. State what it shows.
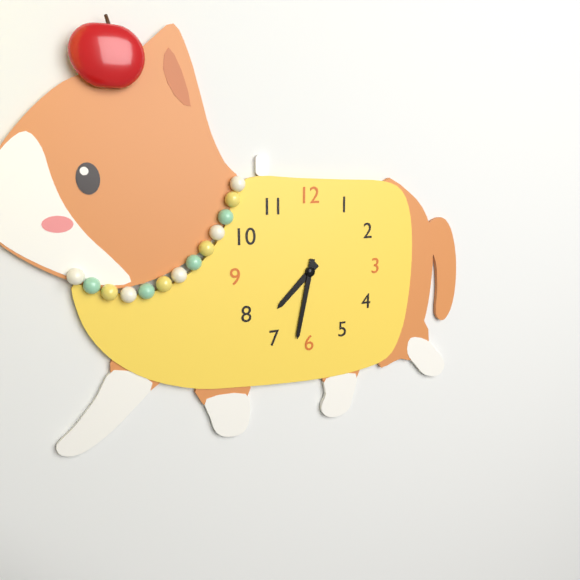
7:32
